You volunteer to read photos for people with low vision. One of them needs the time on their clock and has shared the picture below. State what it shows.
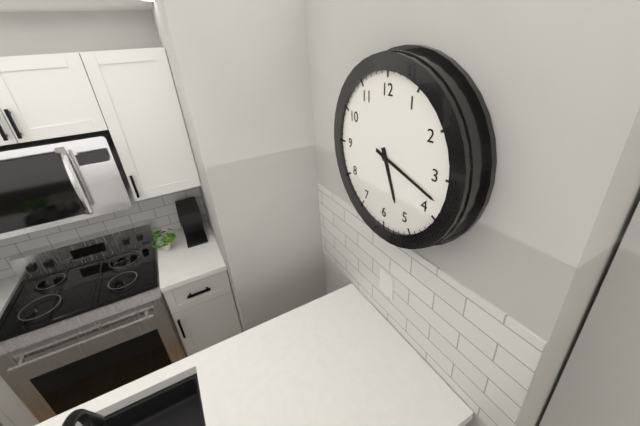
5:18
